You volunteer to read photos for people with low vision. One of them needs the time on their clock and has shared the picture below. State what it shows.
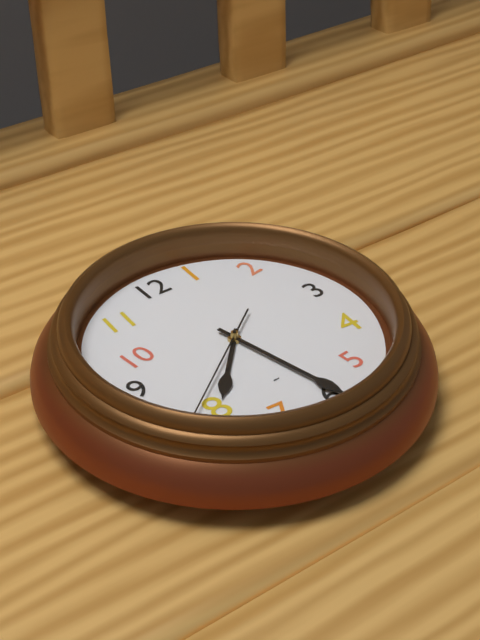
7:28:39
